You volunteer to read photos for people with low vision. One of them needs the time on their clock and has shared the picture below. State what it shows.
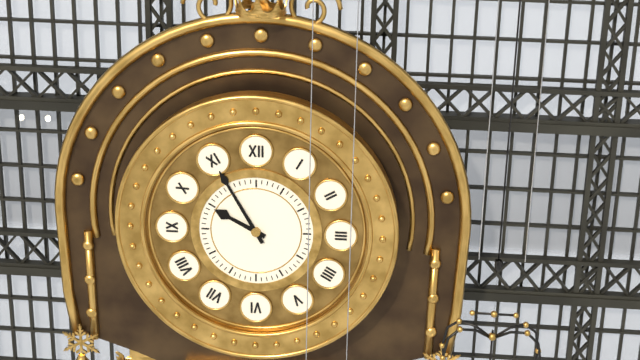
9:55
